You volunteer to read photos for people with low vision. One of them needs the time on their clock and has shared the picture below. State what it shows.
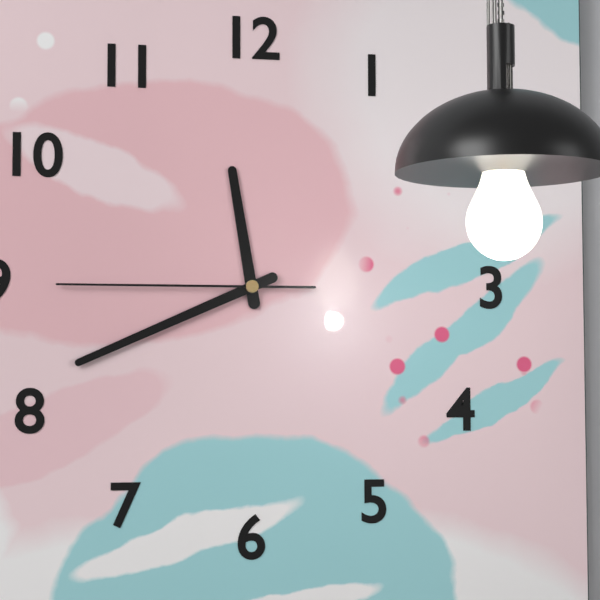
11:41:45
